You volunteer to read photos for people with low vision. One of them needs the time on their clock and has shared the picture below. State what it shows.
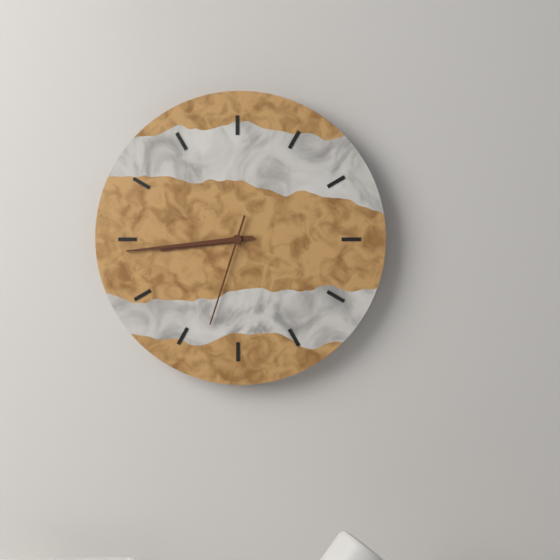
8:44:33
